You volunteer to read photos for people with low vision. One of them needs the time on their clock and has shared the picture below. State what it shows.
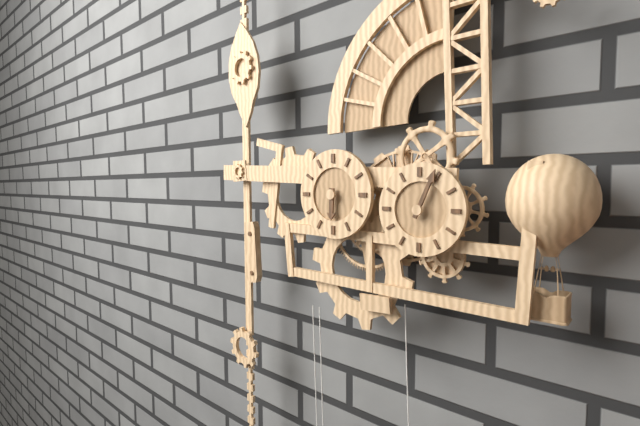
6:04
